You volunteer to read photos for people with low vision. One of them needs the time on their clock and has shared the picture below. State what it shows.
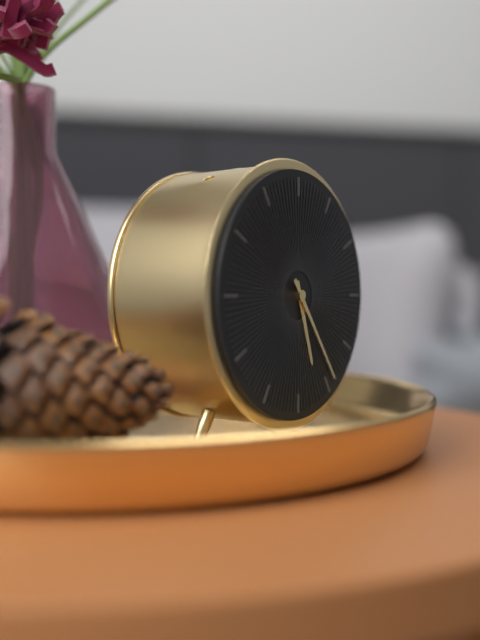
5:24
